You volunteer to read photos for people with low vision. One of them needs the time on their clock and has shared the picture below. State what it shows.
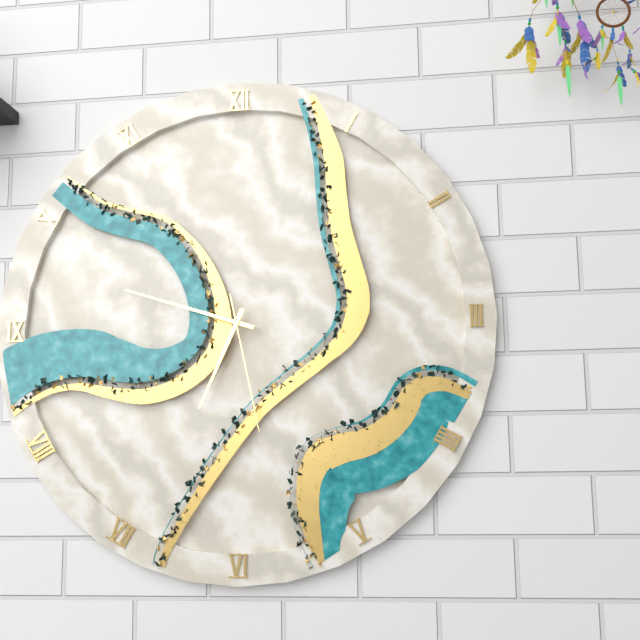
6:48:28
